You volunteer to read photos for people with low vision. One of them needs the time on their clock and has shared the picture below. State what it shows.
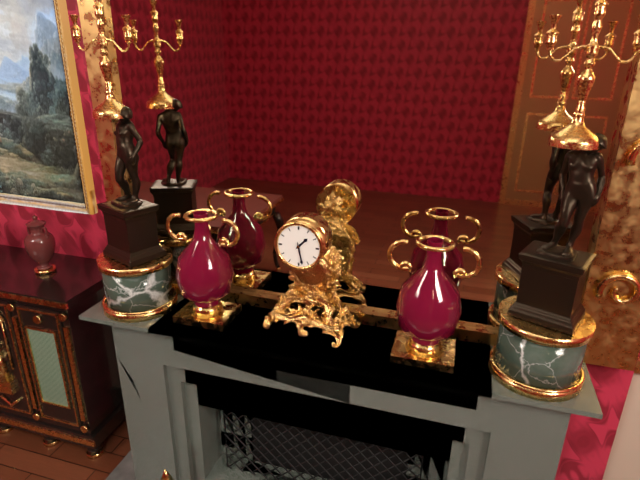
1:28
